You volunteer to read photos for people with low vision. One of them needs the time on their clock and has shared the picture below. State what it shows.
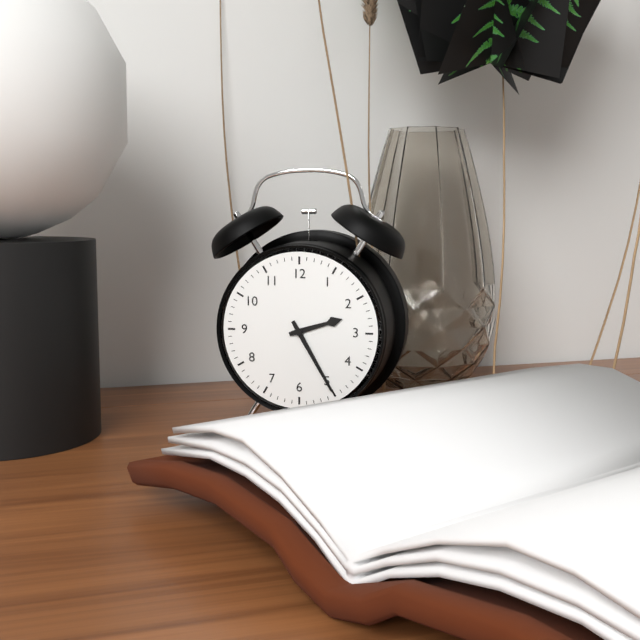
2:25
